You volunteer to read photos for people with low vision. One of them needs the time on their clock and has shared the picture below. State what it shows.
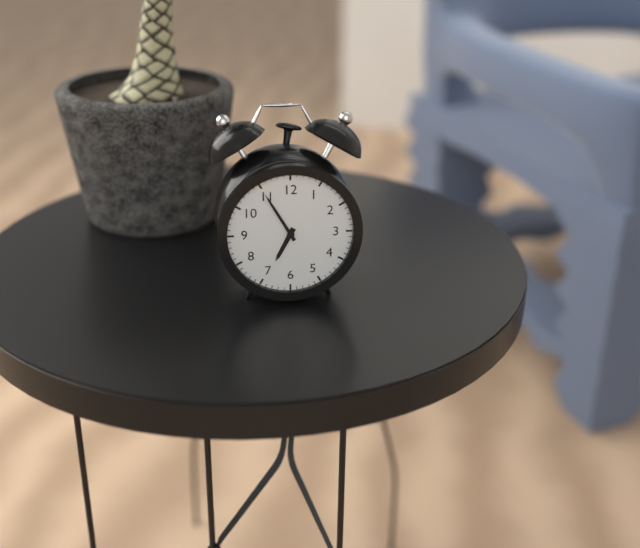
6:55
